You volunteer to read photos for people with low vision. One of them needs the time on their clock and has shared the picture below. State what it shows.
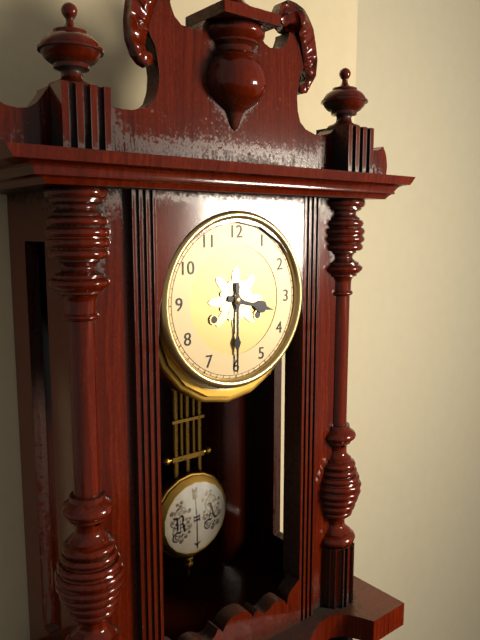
3:30
